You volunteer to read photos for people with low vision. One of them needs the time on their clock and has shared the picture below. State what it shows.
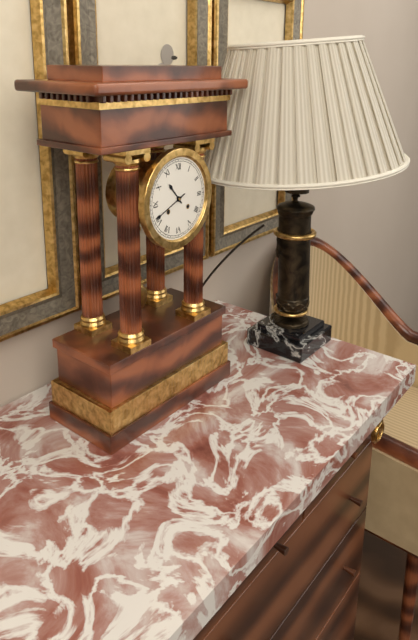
10:41
